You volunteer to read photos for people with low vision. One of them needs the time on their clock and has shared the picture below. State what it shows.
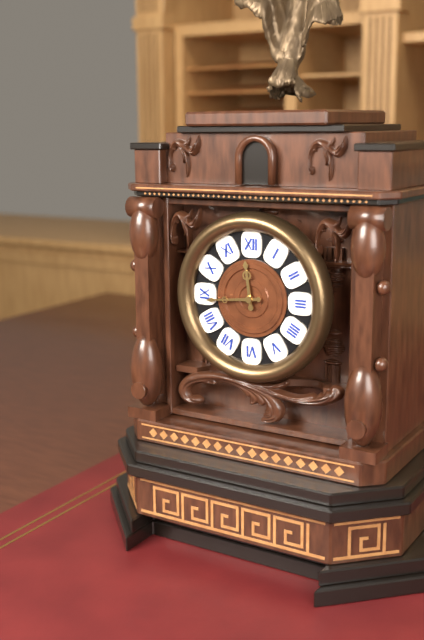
11:44
